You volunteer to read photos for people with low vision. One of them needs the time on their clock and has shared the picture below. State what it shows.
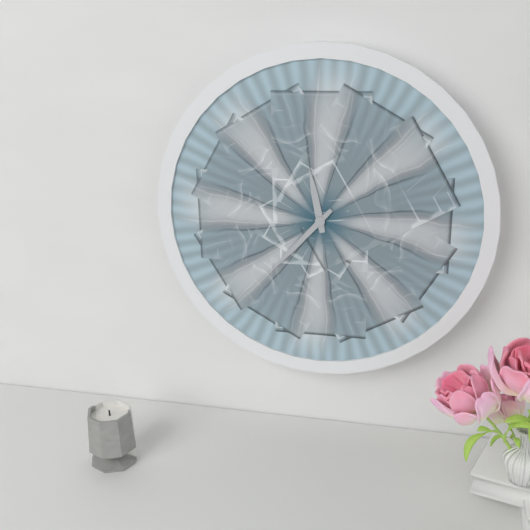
11:37
